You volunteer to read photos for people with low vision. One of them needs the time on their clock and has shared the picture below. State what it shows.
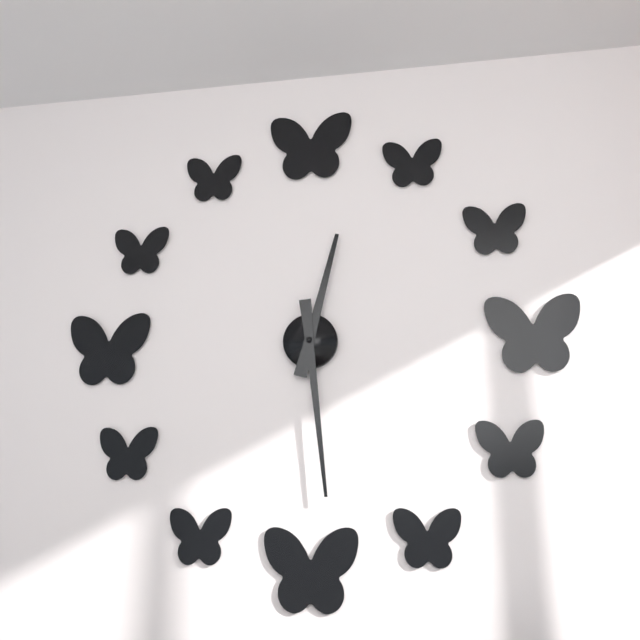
12:29
